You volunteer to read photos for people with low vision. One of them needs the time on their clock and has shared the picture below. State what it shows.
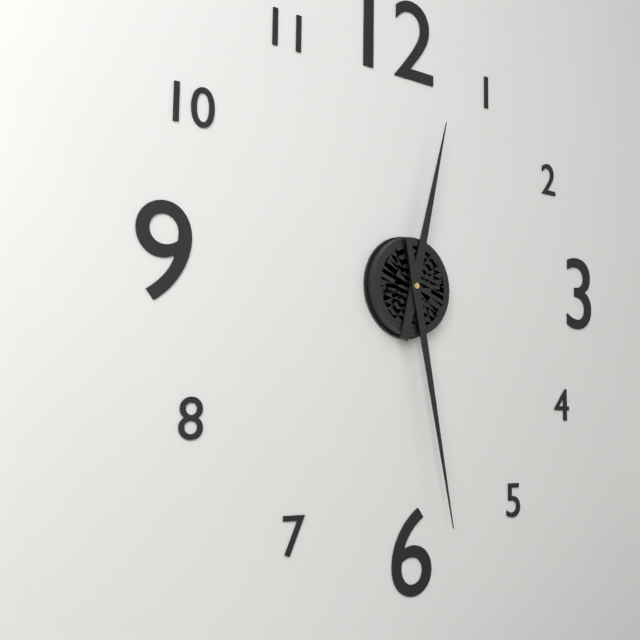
12:28
